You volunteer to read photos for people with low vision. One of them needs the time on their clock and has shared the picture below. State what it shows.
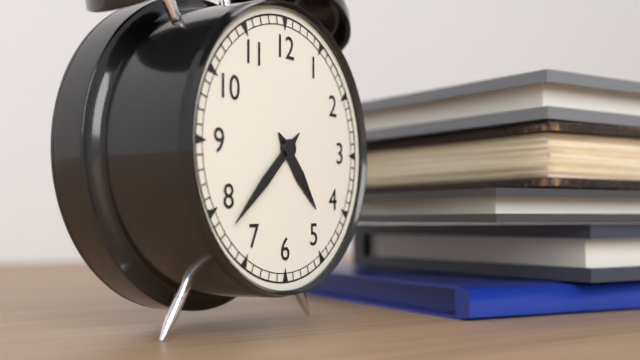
4:38
